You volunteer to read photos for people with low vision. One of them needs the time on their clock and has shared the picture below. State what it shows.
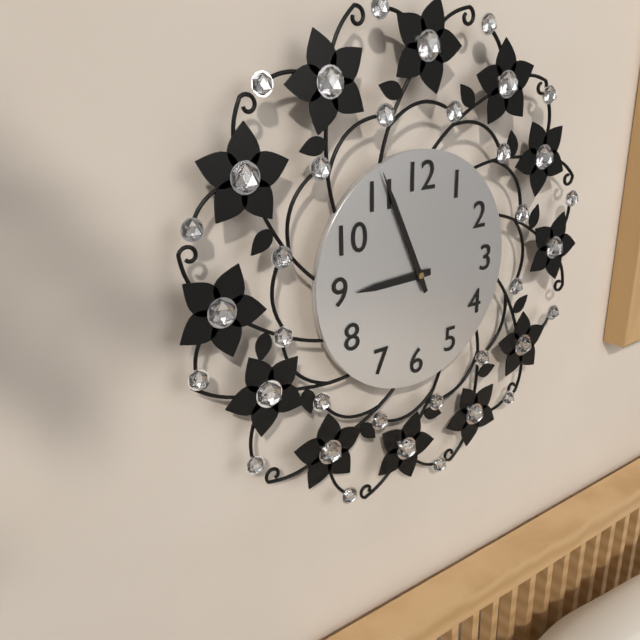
8:56
